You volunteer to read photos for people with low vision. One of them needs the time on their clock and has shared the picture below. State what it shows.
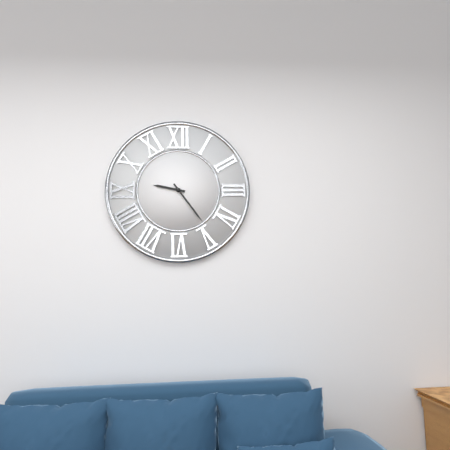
9:24
